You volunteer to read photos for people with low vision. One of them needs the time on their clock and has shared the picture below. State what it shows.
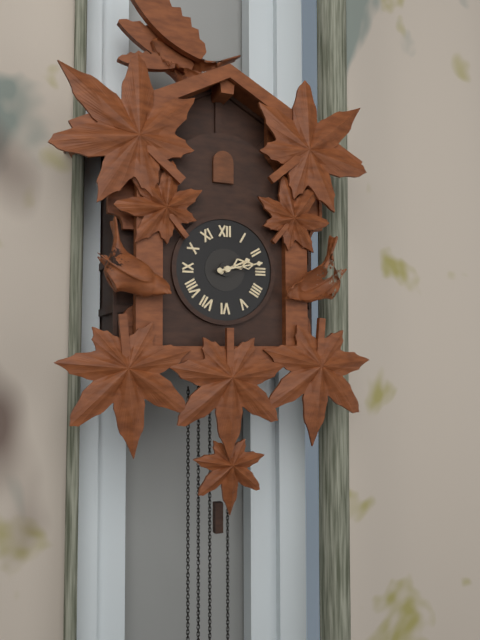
2:13
